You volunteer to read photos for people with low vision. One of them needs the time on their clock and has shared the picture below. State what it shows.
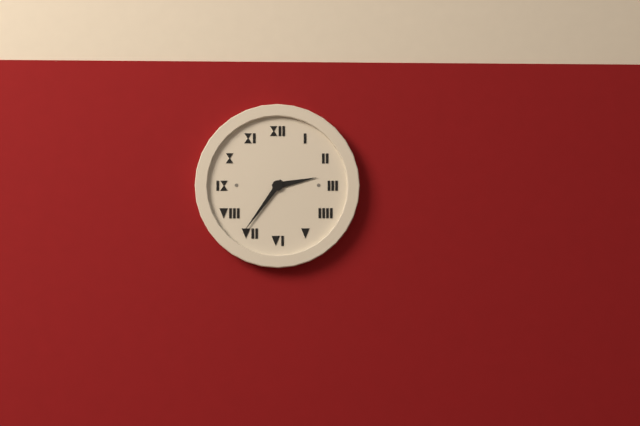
2:36
